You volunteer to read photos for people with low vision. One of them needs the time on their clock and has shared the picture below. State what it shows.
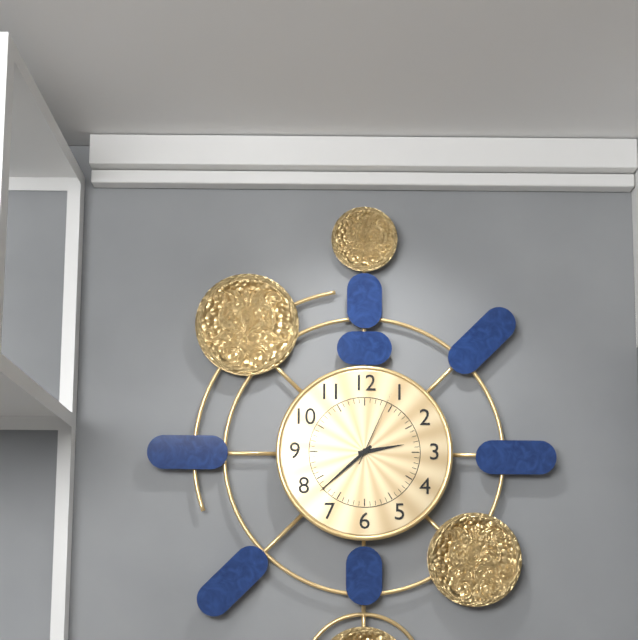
2:38:04
